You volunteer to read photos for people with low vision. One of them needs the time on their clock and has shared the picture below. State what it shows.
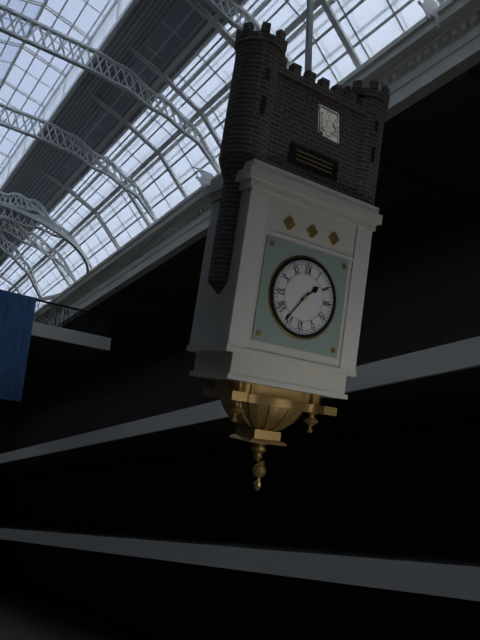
1:36
